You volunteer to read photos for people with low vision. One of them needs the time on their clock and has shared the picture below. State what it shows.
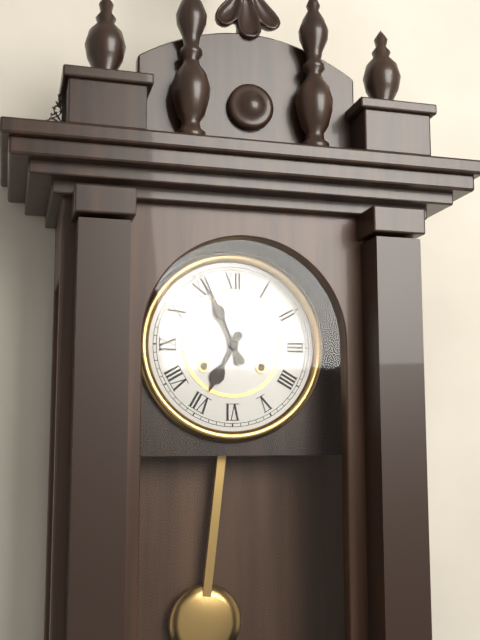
6:56
